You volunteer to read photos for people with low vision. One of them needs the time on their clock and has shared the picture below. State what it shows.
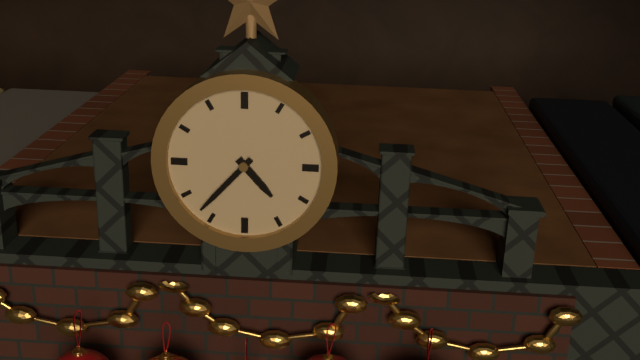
4:37
